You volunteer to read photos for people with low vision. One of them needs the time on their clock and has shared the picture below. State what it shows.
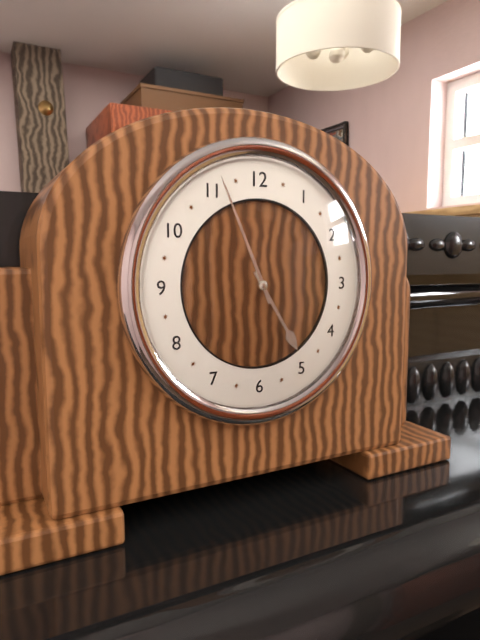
4:56
